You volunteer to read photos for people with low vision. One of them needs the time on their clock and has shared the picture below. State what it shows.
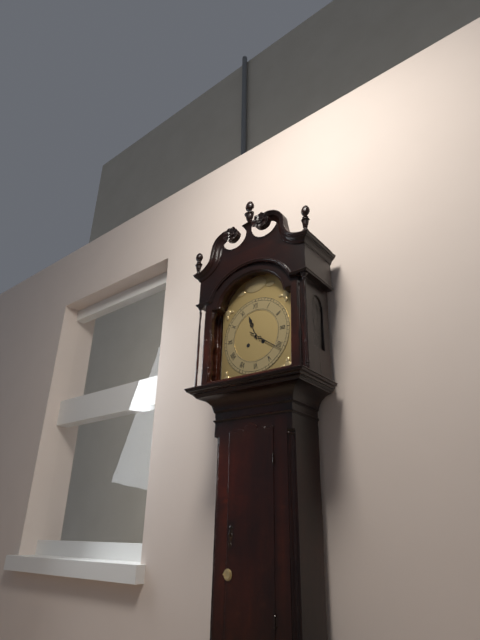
11:21
